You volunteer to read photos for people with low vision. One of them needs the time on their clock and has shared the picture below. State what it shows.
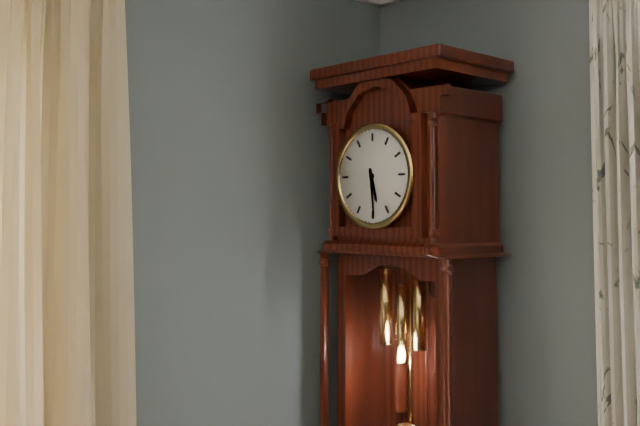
5:29
